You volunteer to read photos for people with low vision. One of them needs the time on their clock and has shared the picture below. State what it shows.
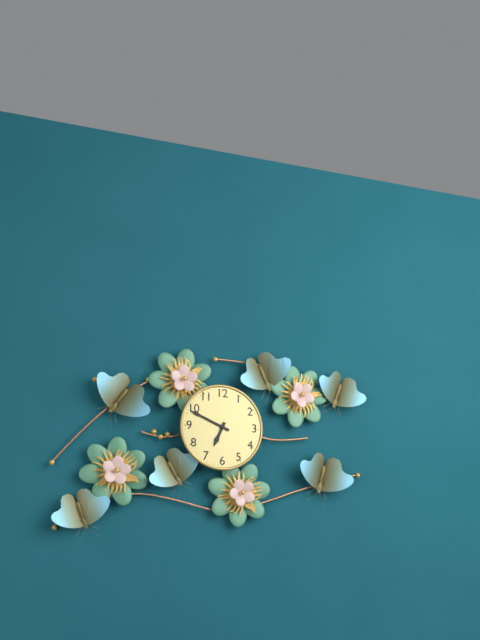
6:49
